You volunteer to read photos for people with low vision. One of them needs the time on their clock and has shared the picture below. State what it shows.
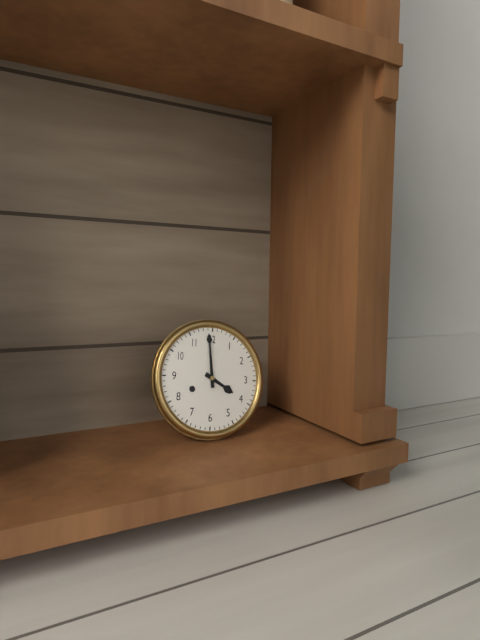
3:59
